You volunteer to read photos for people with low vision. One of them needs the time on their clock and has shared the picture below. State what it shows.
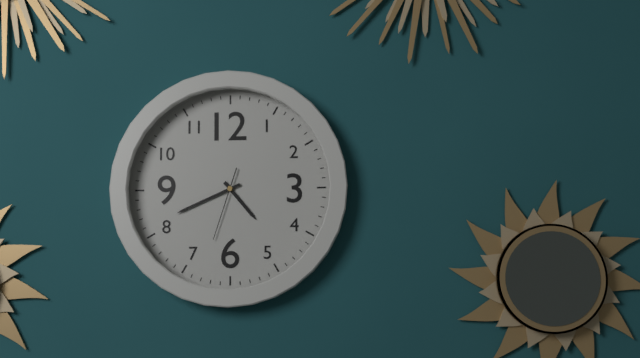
4:41:33
